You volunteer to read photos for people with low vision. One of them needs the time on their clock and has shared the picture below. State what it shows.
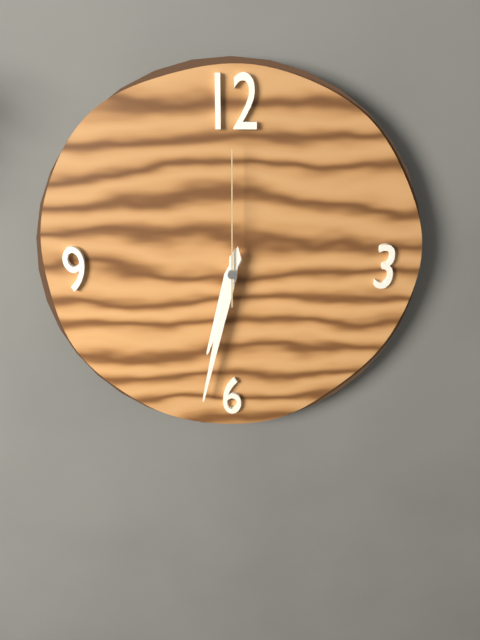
6:32:00
